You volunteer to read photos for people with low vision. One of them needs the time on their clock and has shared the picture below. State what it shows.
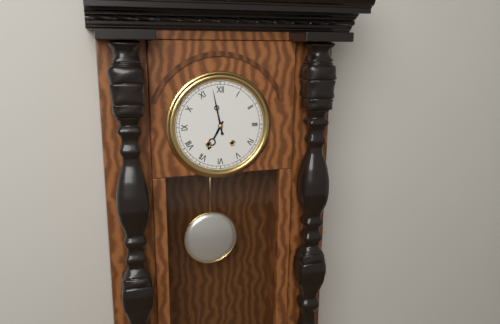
6:58
